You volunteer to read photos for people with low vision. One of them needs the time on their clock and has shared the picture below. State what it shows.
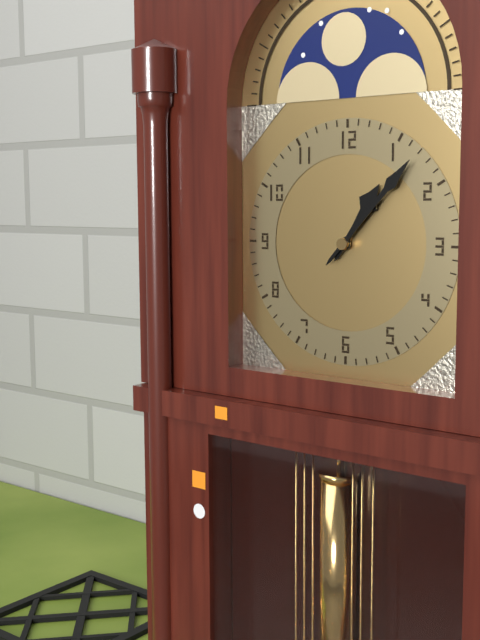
1:07
